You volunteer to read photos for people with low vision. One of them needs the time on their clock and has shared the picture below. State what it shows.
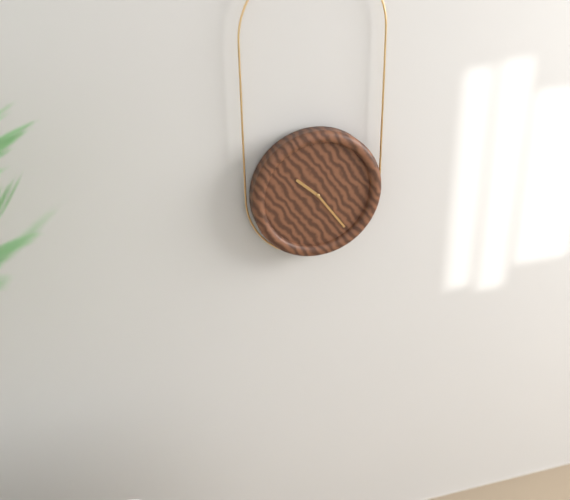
10:24
